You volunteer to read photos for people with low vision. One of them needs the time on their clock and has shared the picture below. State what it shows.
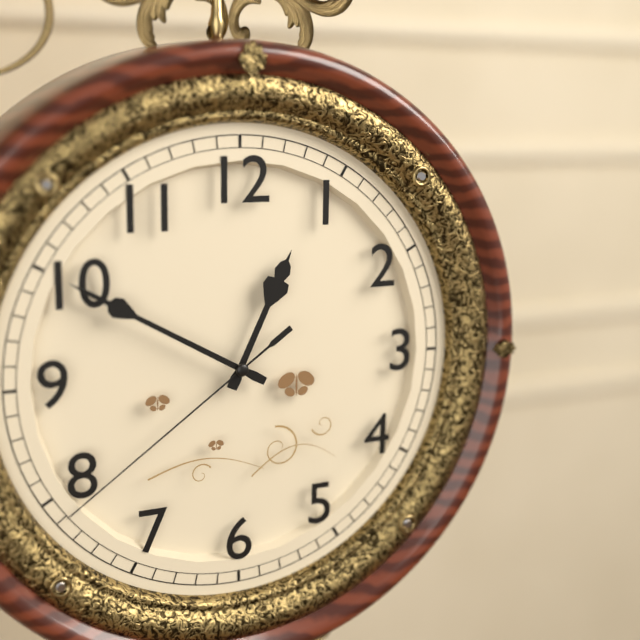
12:50:39
